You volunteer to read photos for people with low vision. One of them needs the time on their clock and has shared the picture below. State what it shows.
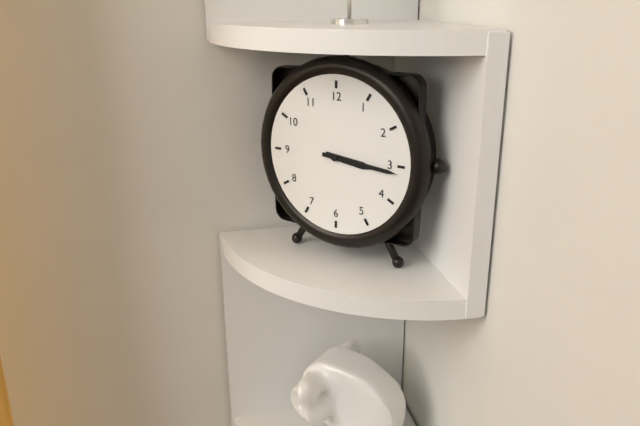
3:16
